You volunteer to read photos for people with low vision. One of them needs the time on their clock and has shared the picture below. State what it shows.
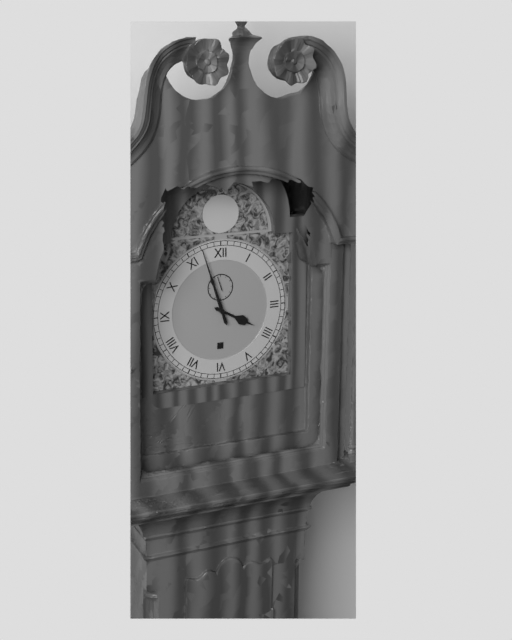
3:57
